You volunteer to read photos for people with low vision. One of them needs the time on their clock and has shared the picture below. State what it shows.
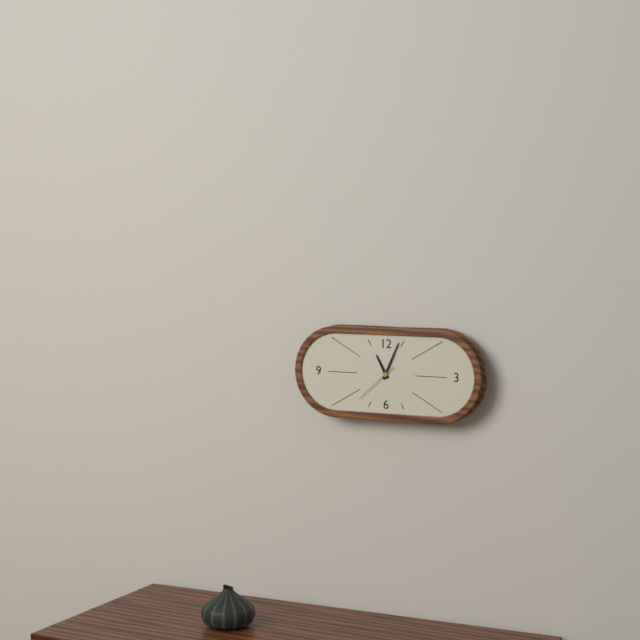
11:04:38
